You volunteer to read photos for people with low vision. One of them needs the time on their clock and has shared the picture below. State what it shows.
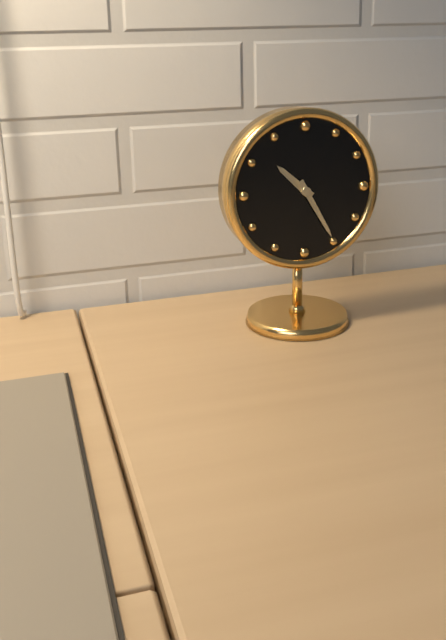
10:25
